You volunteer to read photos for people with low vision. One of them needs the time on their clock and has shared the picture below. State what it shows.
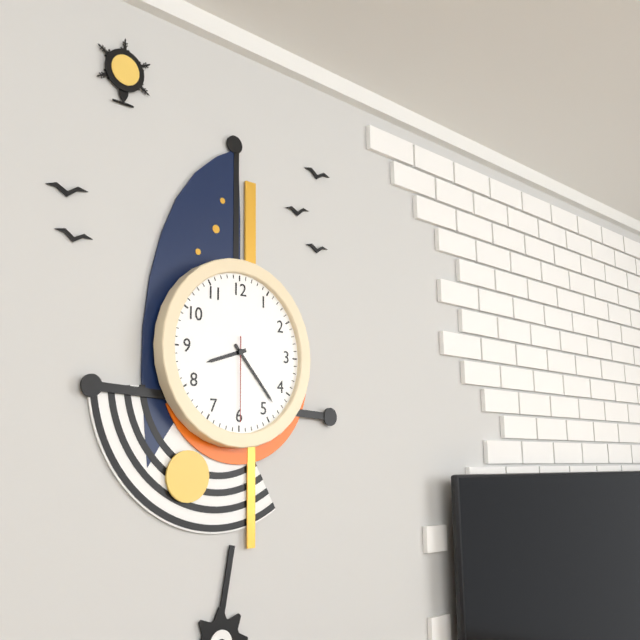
8:23:30
